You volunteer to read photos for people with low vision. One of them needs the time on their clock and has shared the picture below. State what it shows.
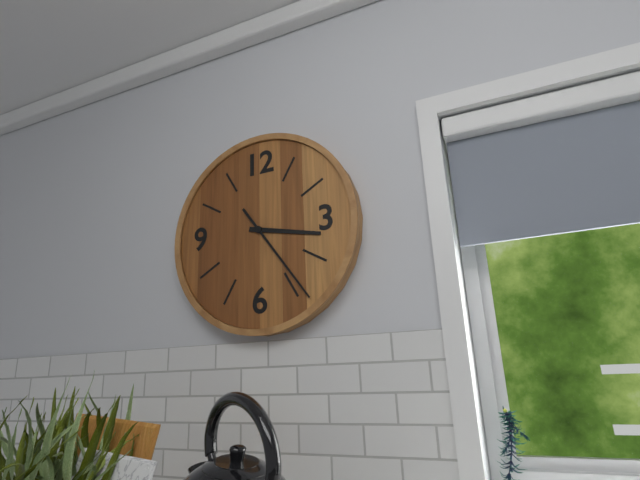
3:24
